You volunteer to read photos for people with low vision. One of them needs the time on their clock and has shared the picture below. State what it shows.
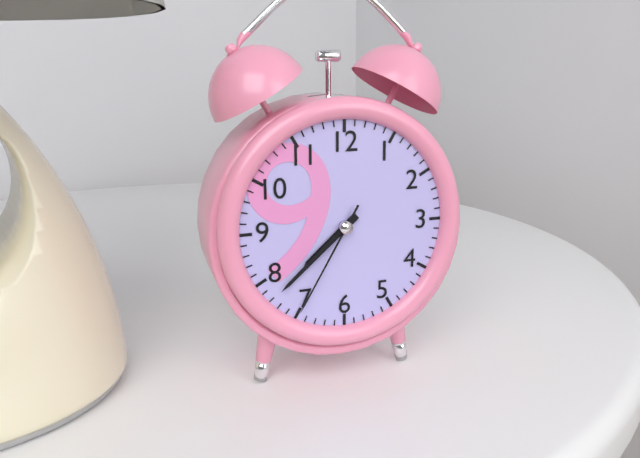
7:38:35
